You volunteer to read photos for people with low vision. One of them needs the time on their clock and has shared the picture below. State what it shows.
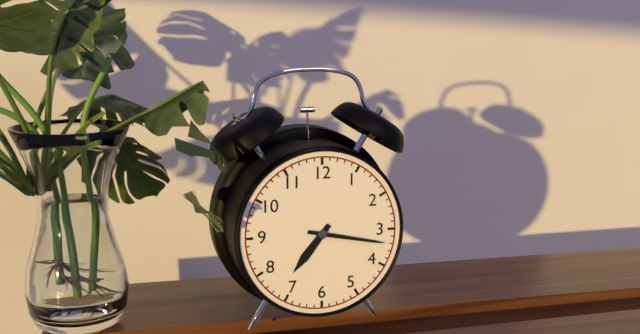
7:17
